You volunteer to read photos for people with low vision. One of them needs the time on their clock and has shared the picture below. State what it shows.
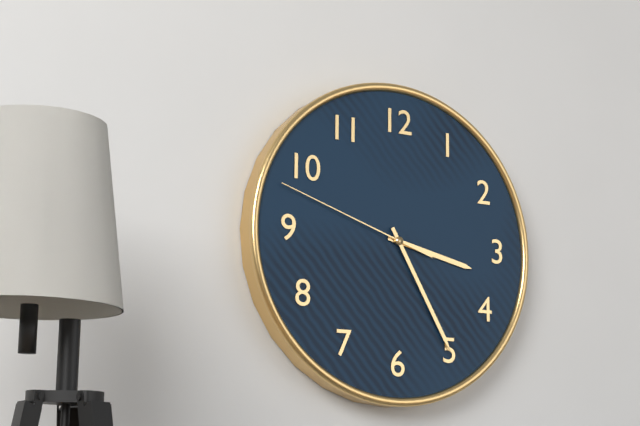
3:25:48
